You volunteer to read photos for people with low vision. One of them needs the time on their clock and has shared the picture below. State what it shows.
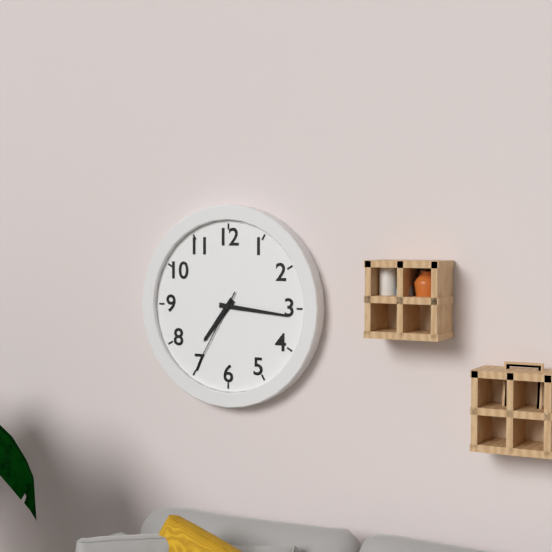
7:16:35
